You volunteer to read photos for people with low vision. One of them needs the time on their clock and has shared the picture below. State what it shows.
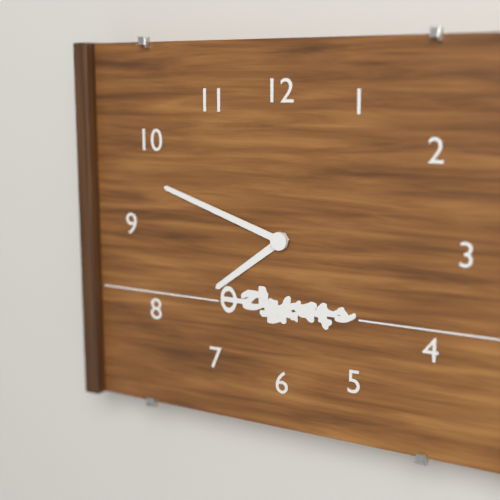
7:48
